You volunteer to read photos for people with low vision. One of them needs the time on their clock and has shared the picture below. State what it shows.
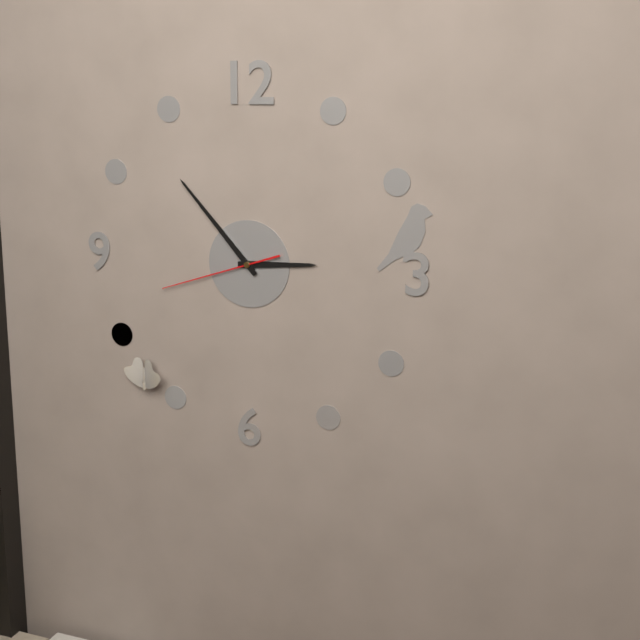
2:53:42
